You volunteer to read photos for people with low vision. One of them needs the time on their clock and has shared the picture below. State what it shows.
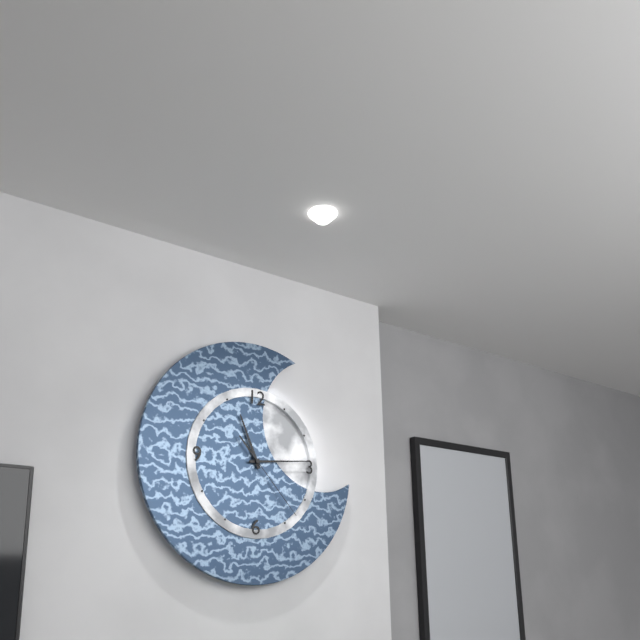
11:14:23
